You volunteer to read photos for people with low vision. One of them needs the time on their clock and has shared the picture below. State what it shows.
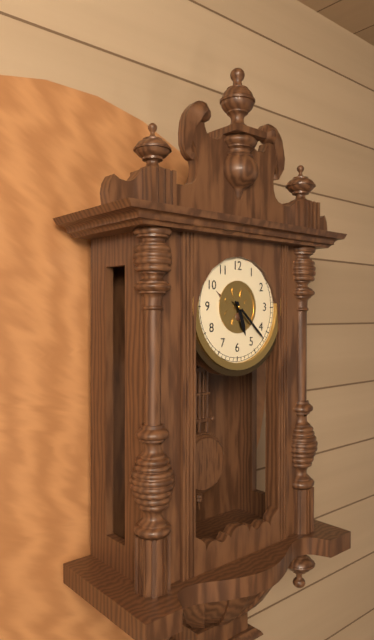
5:22
